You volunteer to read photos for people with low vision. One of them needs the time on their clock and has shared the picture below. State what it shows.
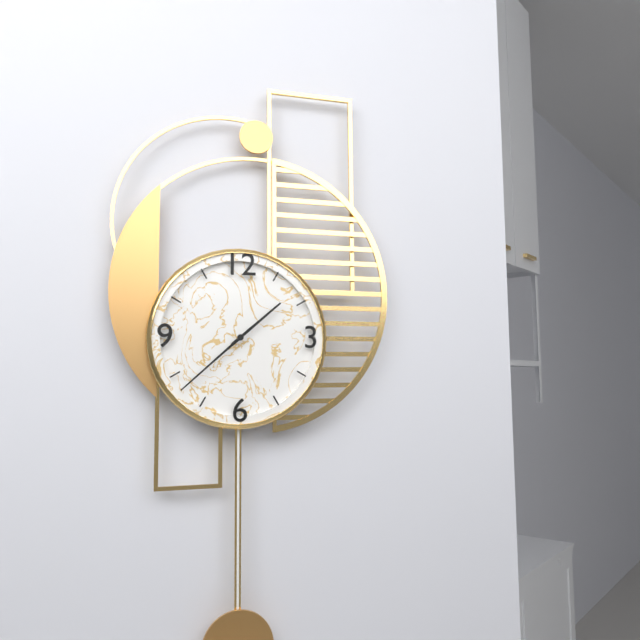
1:38
